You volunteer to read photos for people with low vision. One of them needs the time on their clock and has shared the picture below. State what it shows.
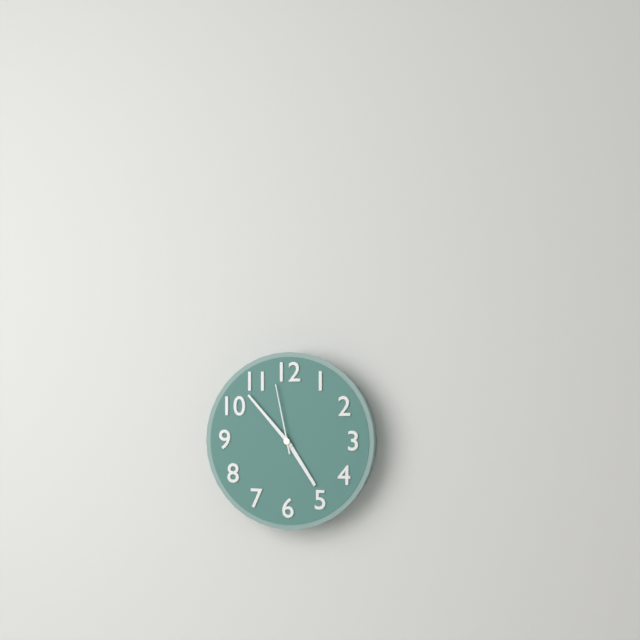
4:53:58
